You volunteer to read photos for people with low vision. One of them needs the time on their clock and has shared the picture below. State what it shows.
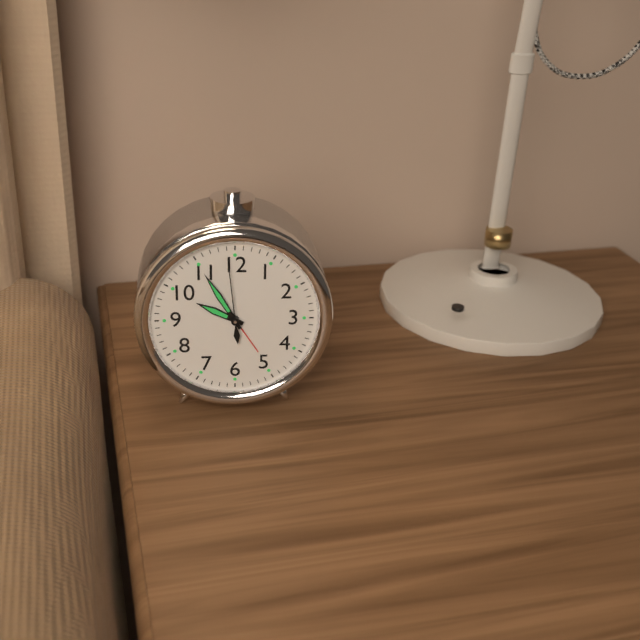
9:55:59
